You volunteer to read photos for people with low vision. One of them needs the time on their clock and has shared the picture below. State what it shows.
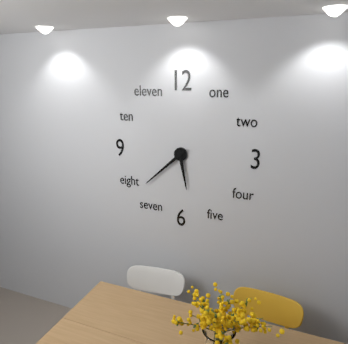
5:38
